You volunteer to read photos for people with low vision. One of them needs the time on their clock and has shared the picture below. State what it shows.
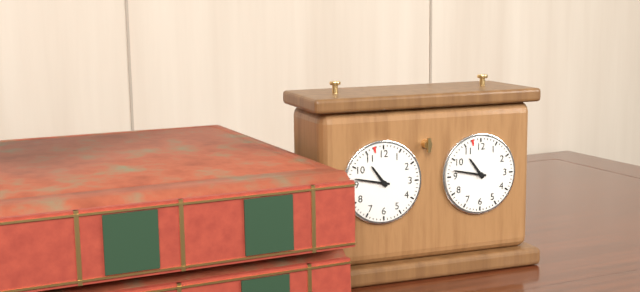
10:47
